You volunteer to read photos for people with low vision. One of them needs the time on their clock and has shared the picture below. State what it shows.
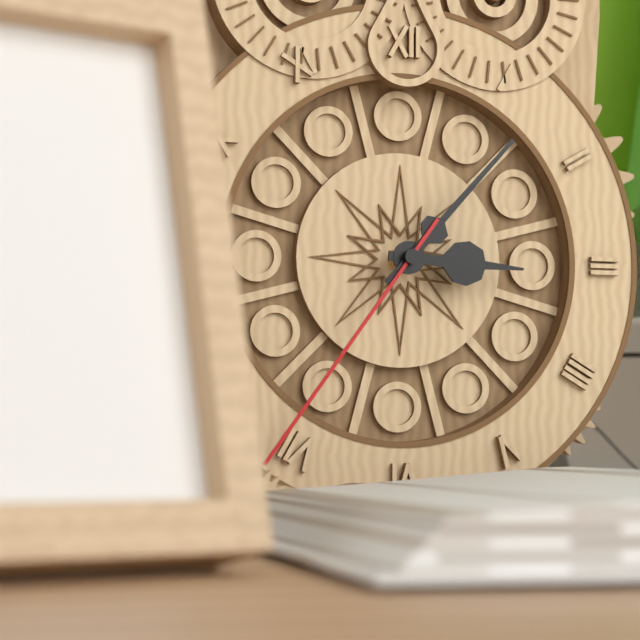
3:07:36
